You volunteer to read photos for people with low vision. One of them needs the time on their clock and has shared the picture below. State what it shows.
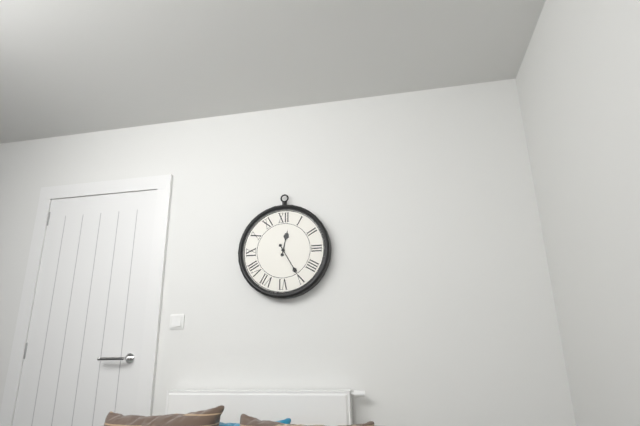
12:25
